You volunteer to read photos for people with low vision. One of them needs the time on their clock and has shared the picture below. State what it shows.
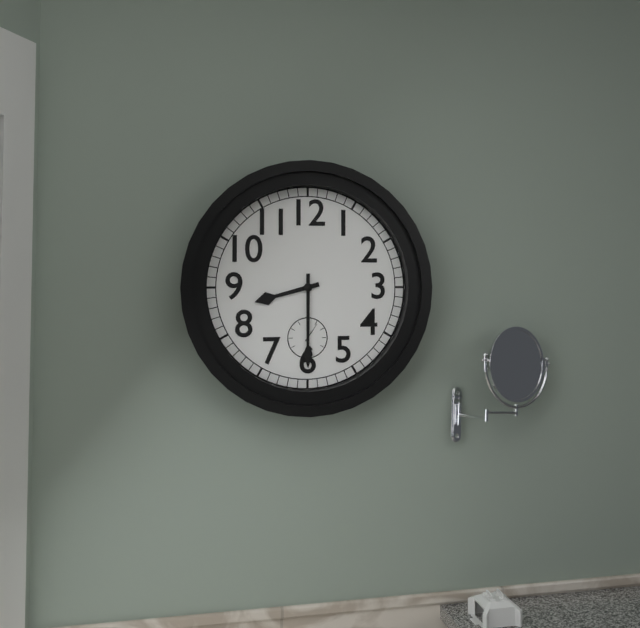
8:30
